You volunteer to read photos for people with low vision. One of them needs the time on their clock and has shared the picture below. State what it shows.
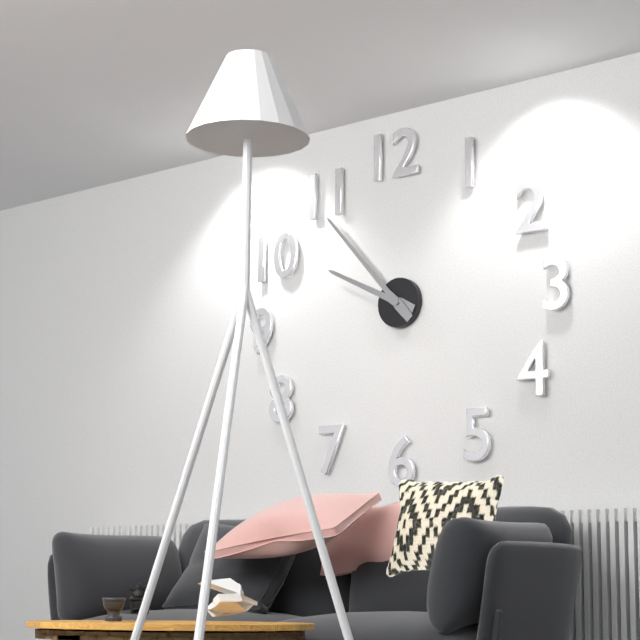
9:53
